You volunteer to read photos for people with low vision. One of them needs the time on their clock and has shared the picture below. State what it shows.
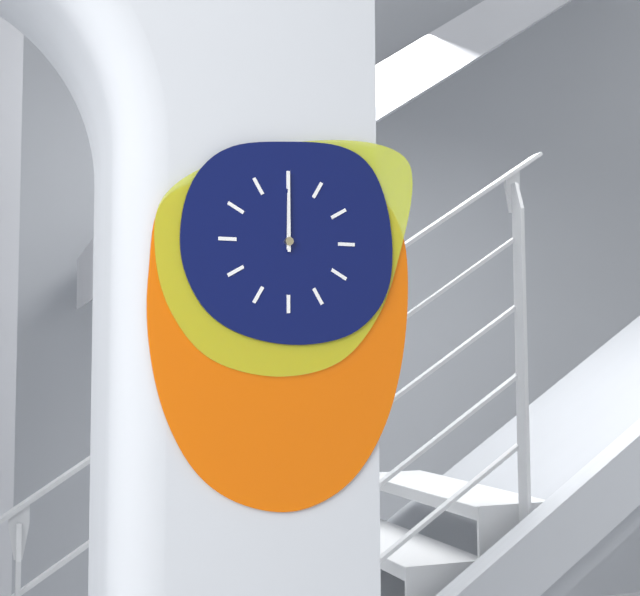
12:00
